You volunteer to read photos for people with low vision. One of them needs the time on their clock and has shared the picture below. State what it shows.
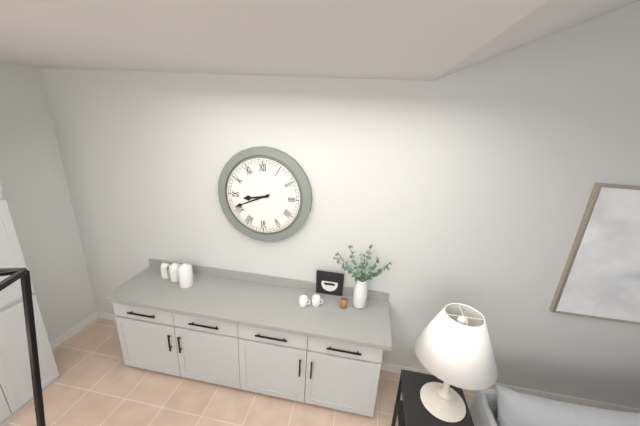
8:41
